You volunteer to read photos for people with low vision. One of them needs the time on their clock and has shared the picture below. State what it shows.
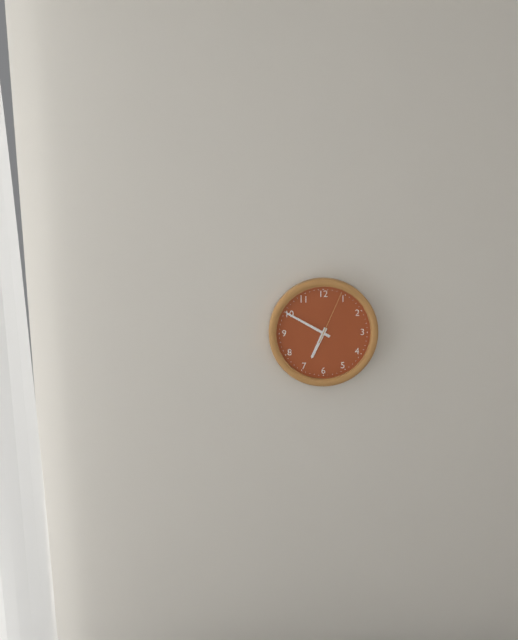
6:50:04
